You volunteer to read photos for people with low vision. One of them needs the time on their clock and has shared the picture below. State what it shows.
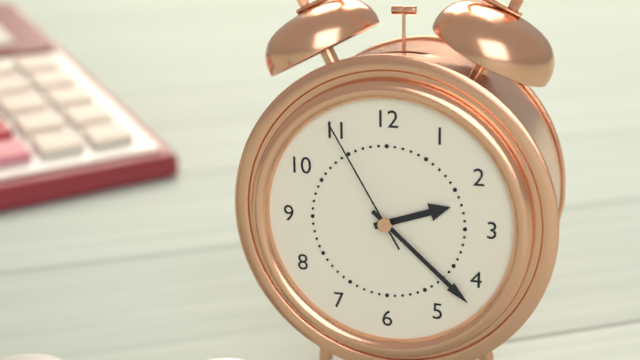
2:22:55
